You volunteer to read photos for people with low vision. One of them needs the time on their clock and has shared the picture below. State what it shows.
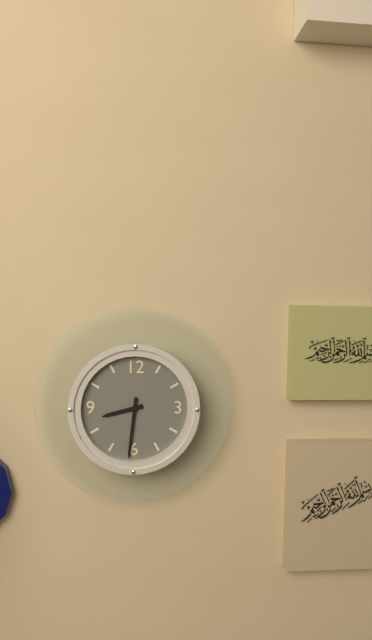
8:31
